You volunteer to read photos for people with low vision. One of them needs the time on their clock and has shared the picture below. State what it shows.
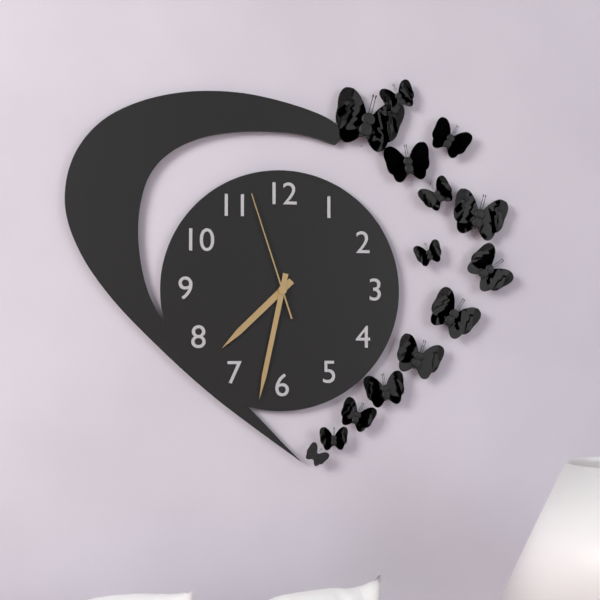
7:32:57
